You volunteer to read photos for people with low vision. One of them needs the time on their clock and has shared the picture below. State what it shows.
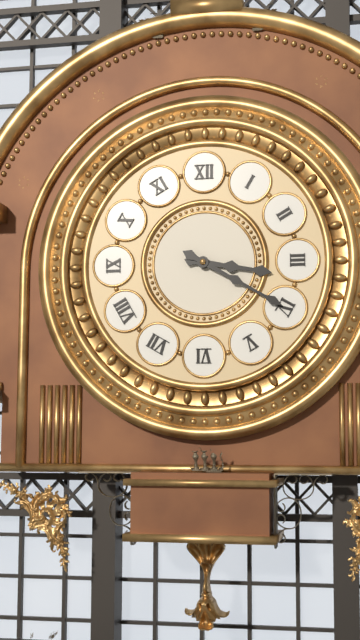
3:20
